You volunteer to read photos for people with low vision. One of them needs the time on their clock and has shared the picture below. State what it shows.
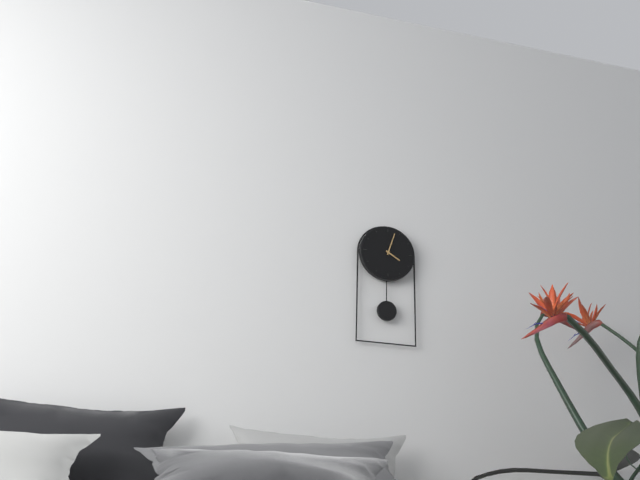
4:03
